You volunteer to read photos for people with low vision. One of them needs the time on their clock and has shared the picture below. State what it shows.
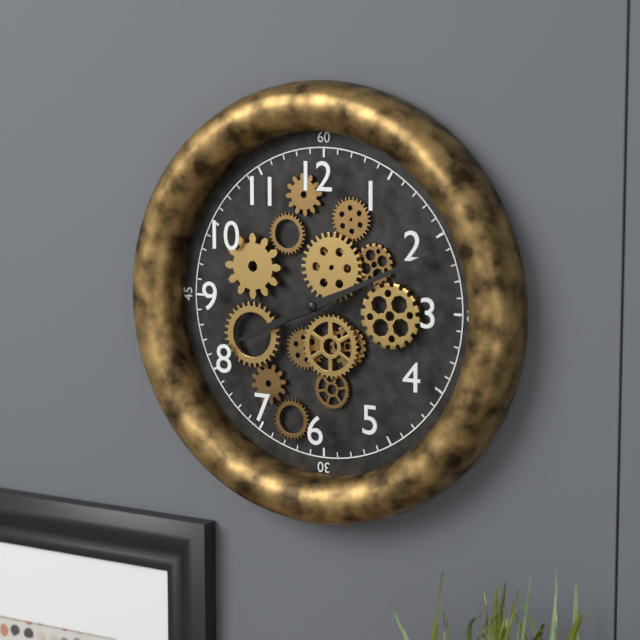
8:11
